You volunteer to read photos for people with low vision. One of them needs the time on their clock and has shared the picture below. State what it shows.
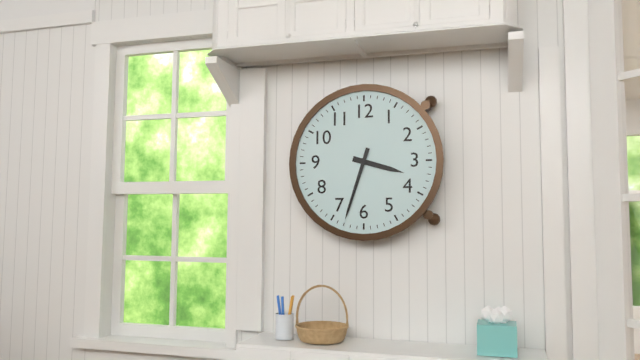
3:33
